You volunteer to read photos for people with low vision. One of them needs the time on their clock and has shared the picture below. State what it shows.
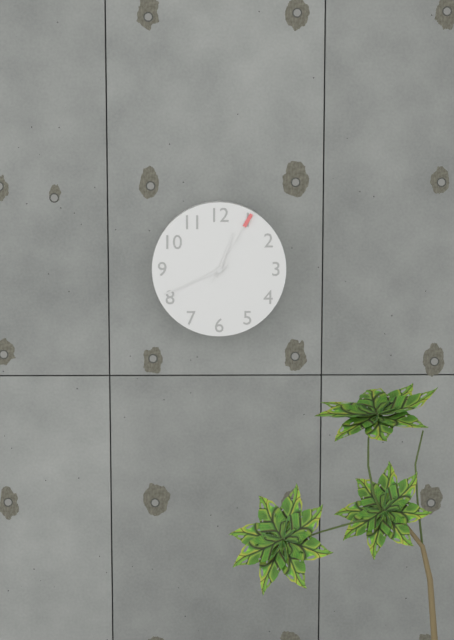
12:41:05
